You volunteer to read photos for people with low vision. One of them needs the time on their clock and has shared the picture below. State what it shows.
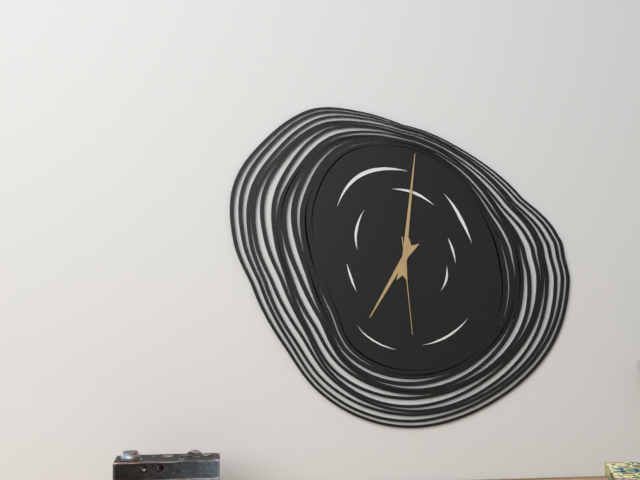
7:01:29
